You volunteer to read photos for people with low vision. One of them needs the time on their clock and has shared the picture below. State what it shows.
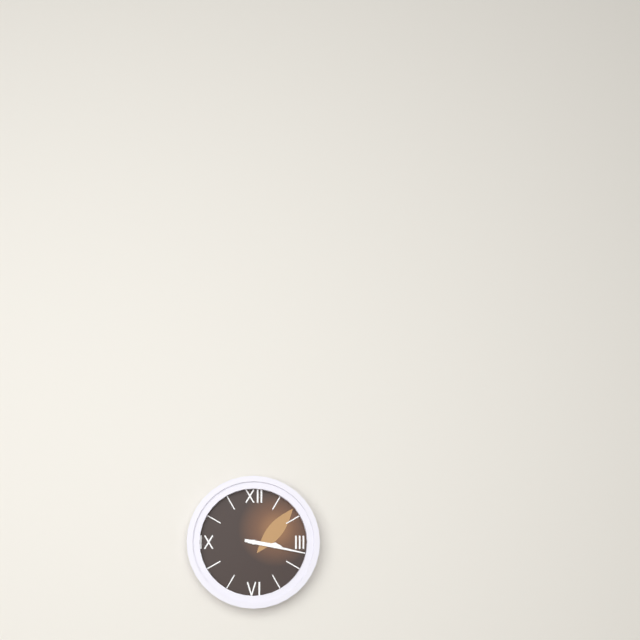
3:17
